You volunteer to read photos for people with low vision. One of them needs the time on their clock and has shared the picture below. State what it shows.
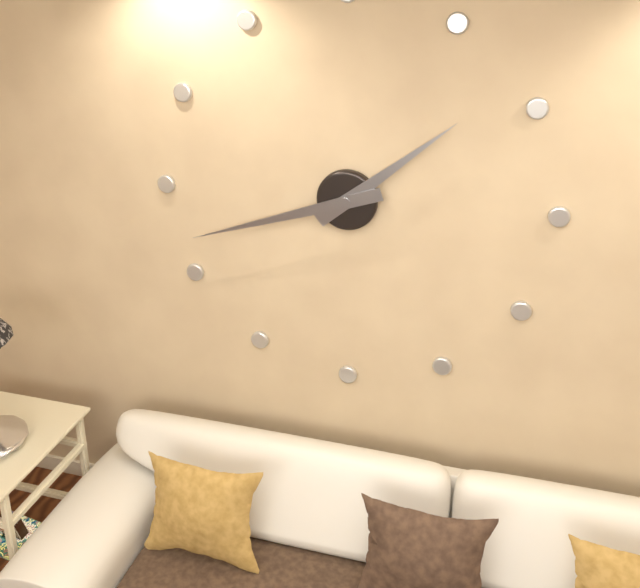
1:42
